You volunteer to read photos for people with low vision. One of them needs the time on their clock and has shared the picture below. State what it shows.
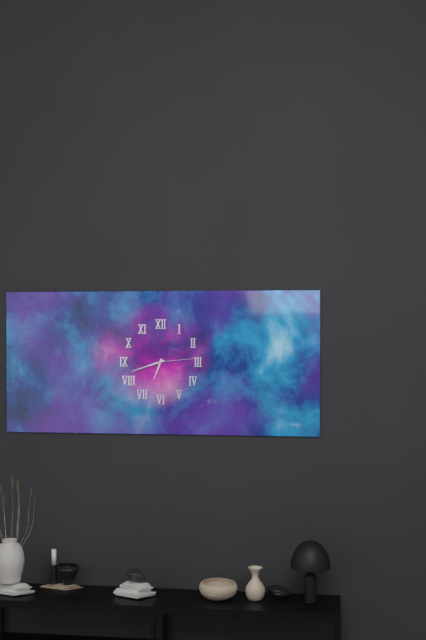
6:42
